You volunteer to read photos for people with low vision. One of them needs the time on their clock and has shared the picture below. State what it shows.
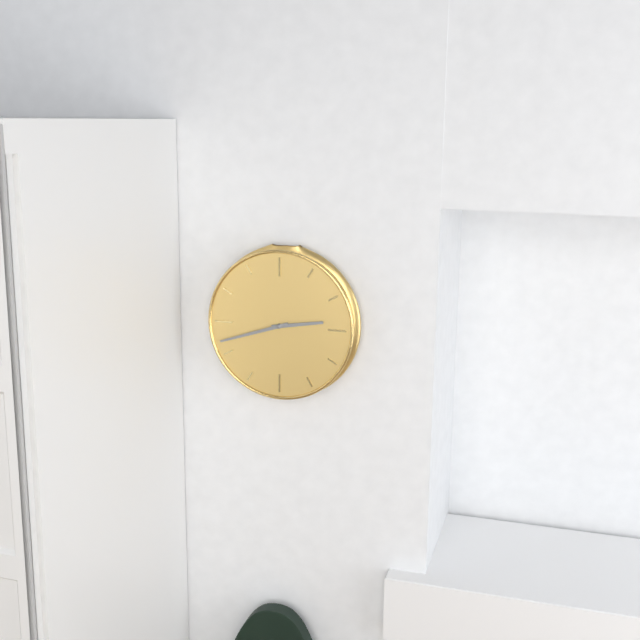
2:42
